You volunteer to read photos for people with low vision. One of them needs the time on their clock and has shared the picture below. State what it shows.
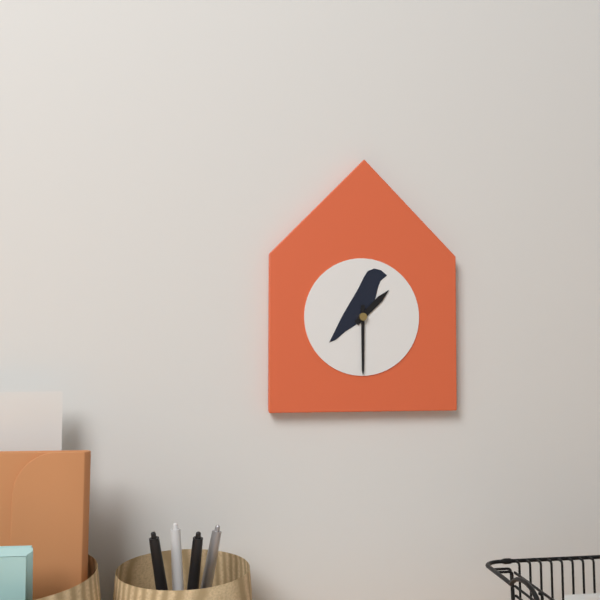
1:30
